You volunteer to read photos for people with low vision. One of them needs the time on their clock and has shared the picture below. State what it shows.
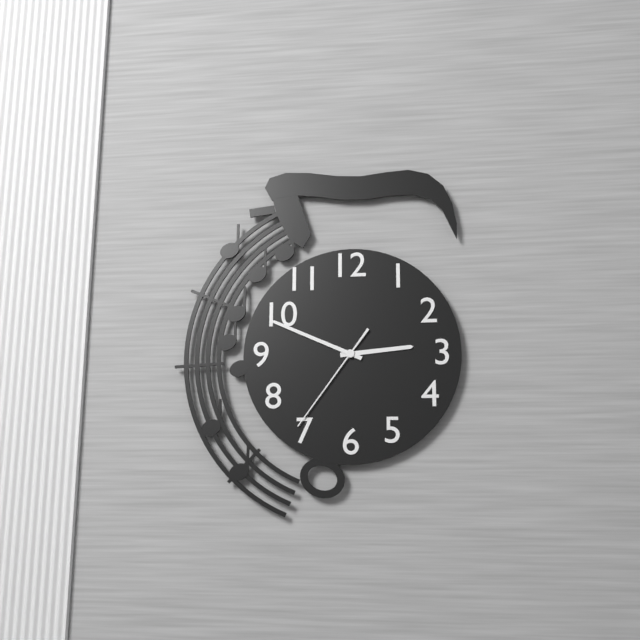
2:49:36
